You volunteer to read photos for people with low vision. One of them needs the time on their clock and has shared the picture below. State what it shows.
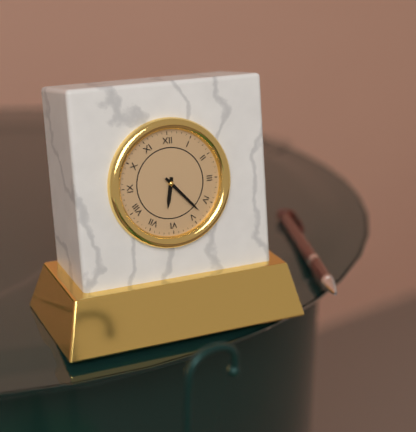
6:23
